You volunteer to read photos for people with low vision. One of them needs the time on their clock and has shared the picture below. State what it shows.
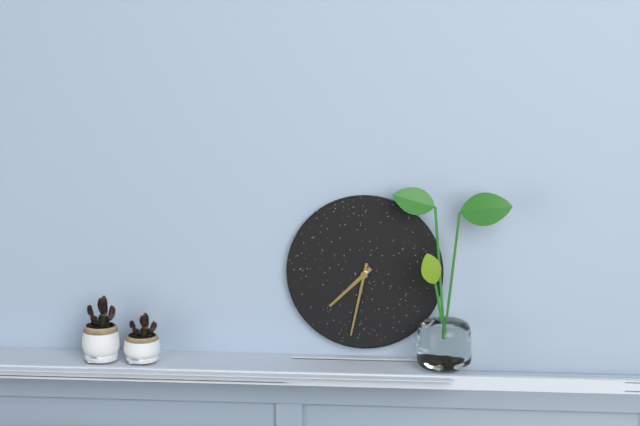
7:32
